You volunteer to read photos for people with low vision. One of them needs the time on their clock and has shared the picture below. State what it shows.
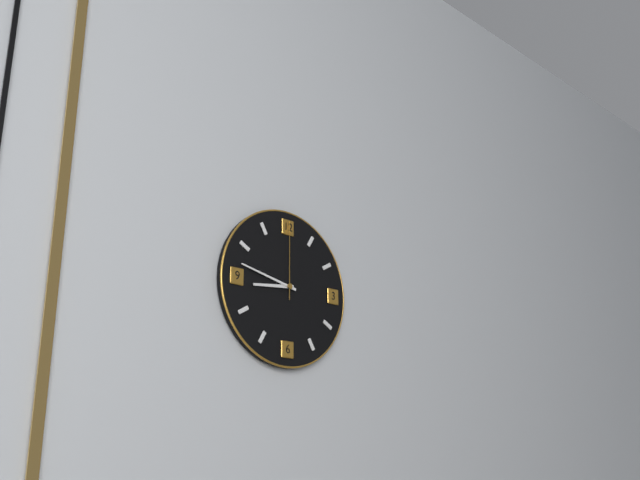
8:47:00
